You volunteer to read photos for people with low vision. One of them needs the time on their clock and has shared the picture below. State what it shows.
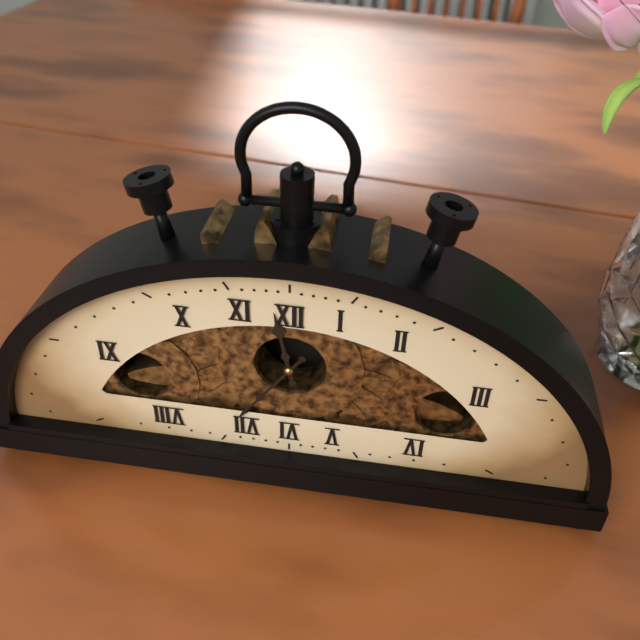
11:36
